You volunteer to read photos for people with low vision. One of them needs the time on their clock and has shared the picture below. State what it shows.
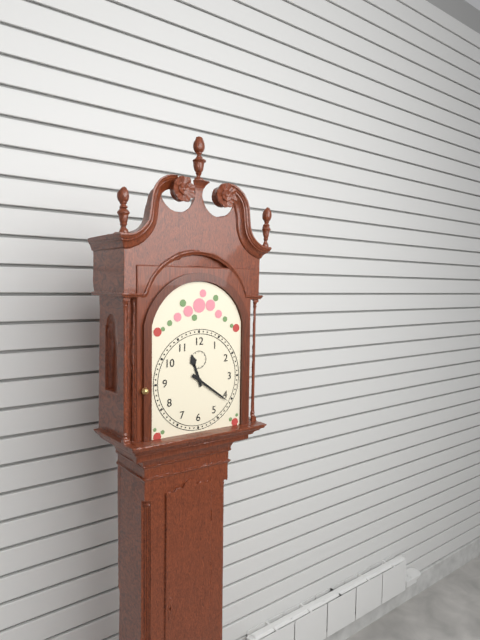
11:21
